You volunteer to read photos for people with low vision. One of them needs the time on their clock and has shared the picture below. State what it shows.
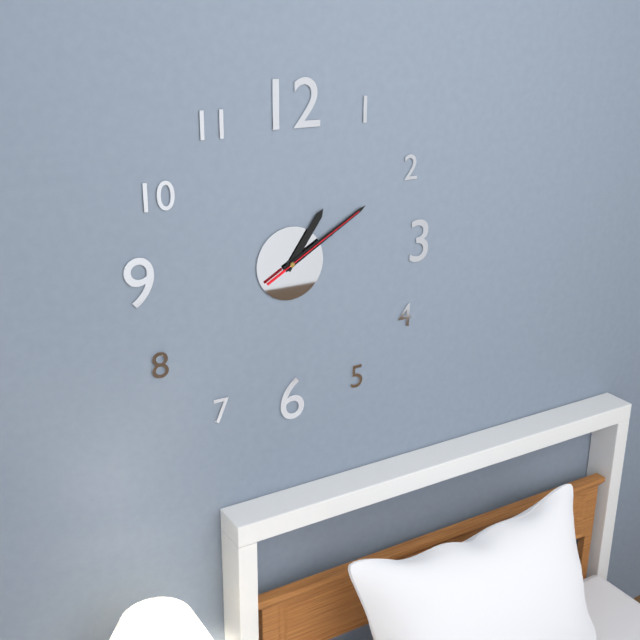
1:10:10
